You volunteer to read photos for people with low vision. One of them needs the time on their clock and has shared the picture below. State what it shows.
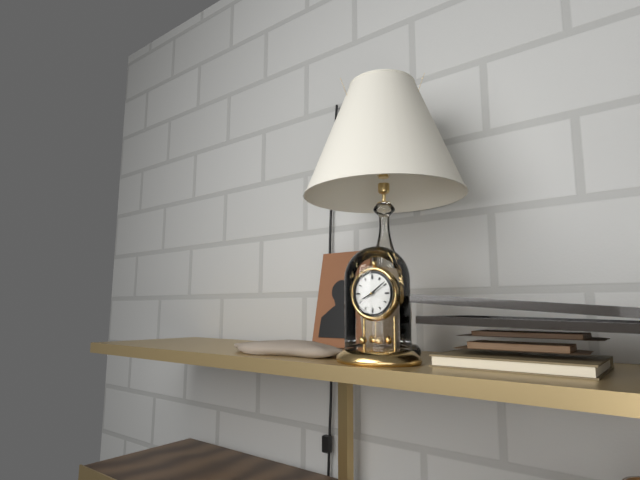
8:09
